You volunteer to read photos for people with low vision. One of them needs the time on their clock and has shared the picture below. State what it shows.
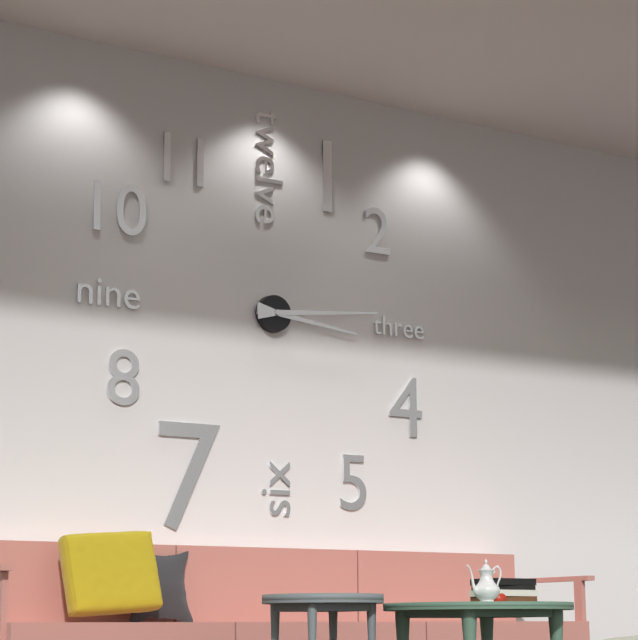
3:14
